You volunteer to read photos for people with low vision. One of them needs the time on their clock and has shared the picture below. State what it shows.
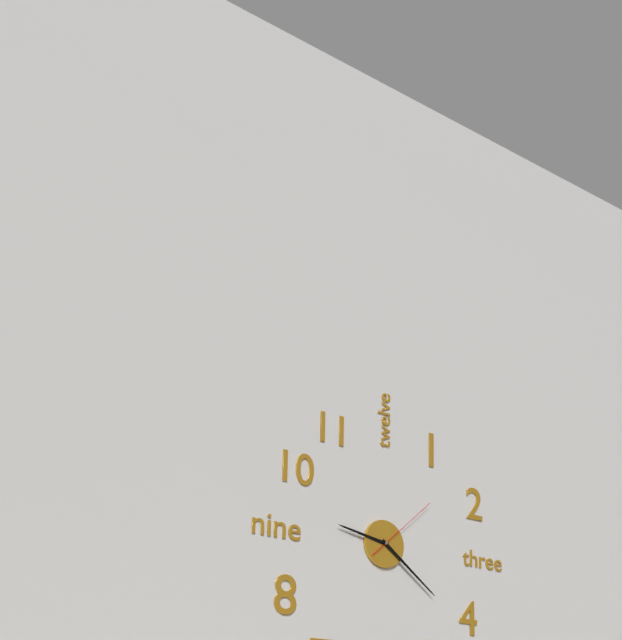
9:21:08
